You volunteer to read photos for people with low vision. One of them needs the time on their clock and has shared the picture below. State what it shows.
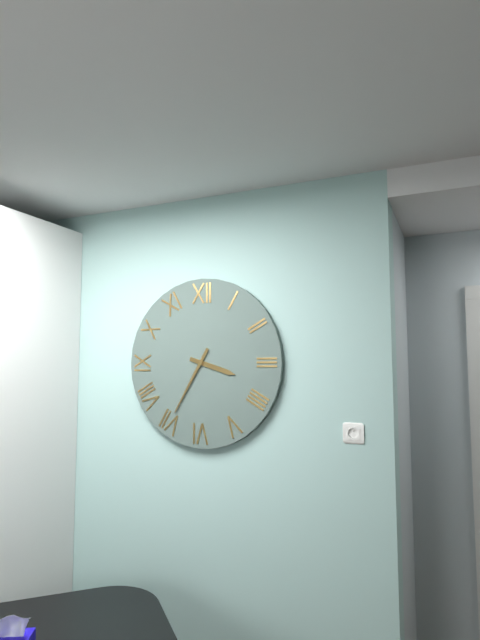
3:35
